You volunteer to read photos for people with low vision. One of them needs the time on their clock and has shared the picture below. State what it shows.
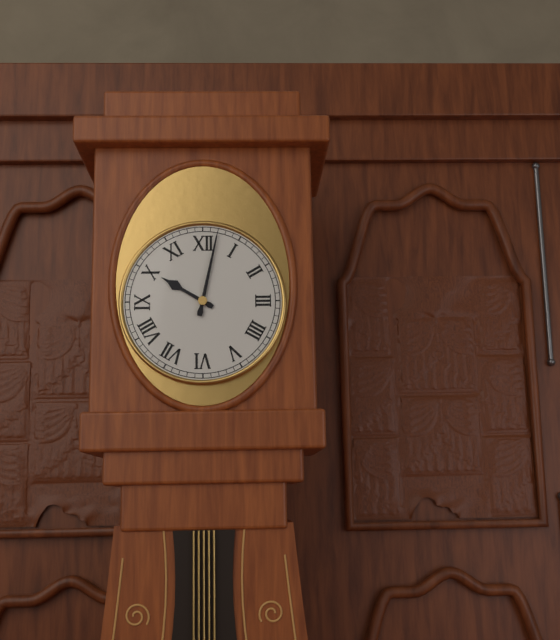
10:02
